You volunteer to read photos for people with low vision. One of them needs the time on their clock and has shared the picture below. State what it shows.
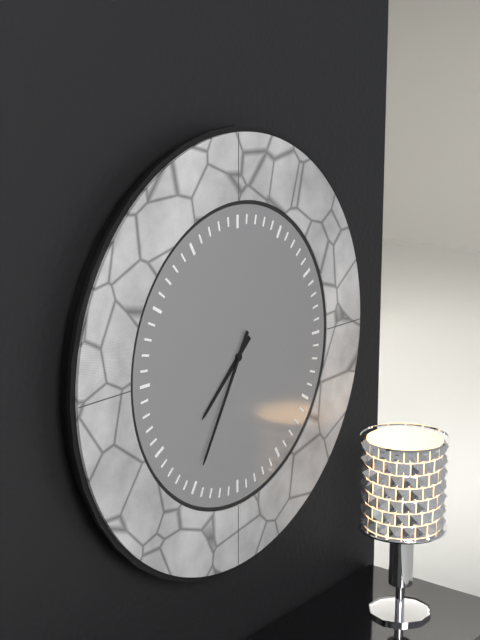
7:35
